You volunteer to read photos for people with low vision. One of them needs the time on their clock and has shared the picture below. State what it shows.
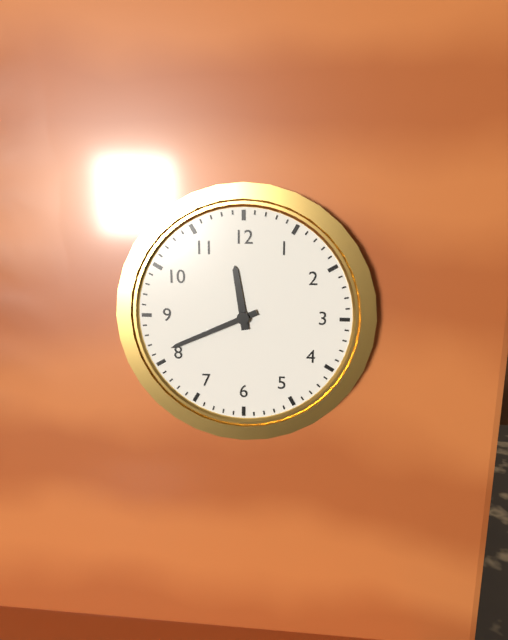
11:41
